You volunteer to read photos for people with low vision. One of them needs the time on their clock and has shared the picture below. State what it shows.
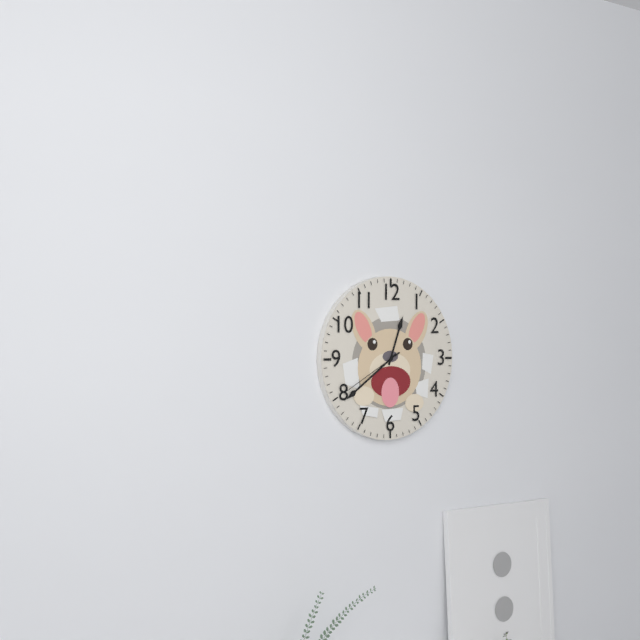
12:39:40
